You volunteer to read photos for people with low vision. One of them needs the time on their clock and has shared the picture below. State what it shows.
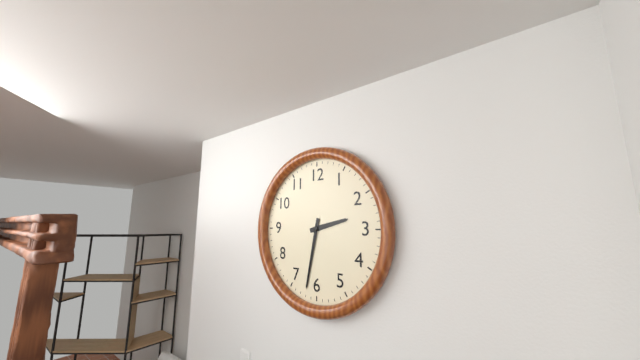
2:32
